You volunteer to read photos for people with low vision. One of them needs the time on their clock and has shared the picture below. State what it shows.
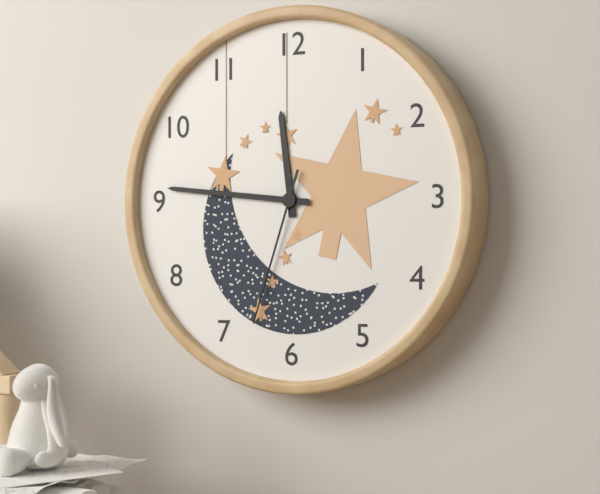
11:46:33
